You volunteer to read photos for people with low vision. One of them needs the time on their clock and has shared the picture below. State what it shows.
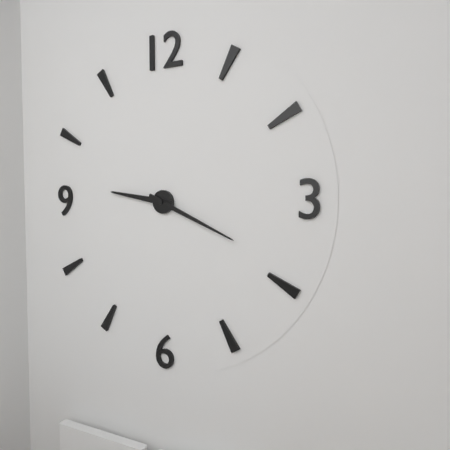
9:19
